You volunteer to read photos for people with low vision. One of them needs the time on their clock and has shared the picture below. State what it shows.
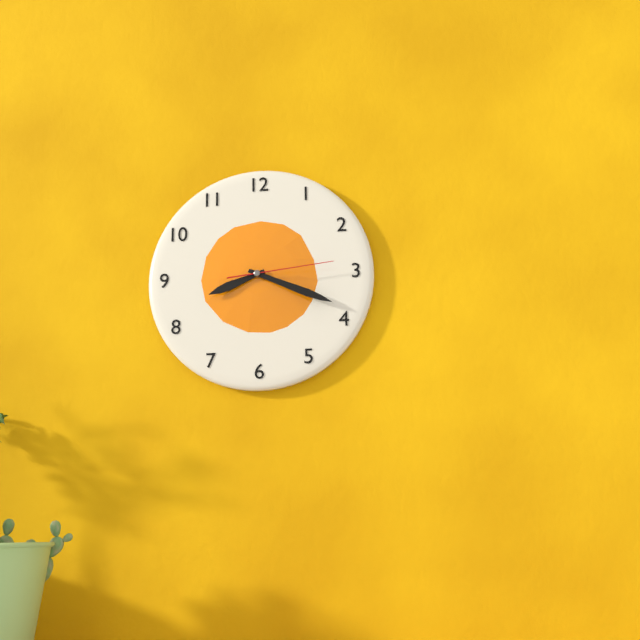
8:19:14
